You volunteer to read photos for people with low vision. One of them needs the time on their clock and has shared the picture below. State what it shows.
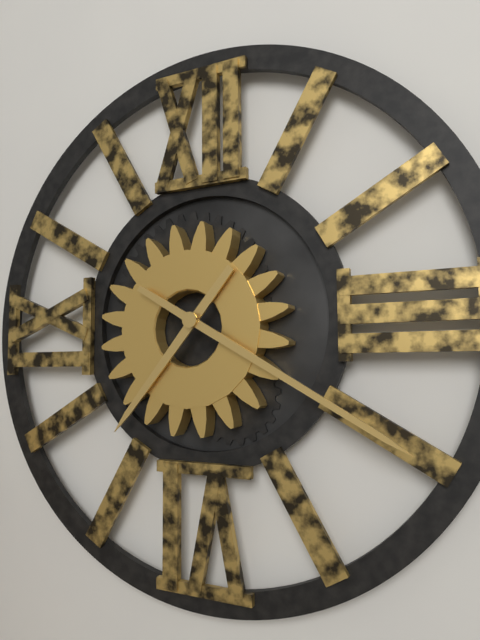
7:20
